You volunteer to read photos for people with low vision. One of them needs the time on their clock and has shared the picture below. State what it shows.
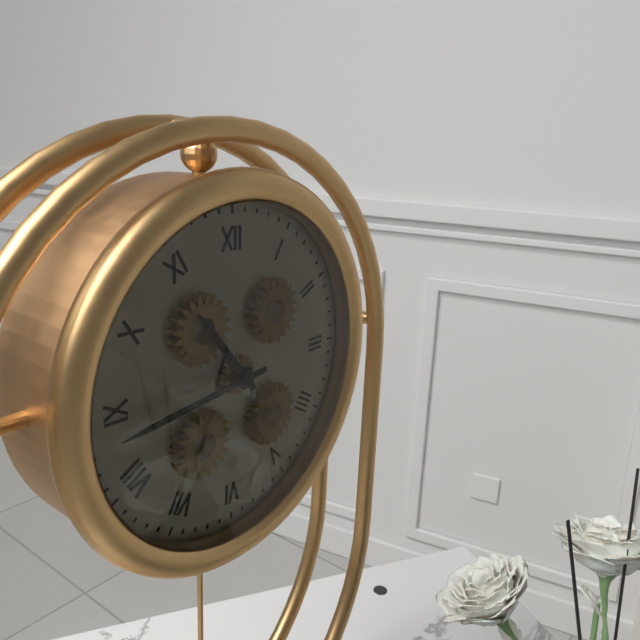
10:44
